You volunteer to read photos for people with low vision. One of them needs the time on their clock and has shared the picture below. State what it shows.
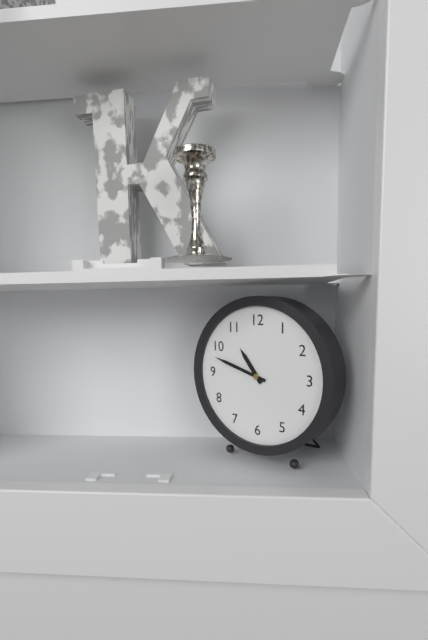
10:48
